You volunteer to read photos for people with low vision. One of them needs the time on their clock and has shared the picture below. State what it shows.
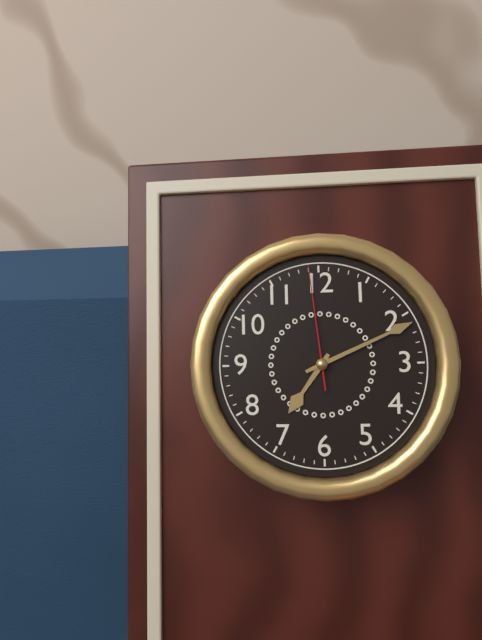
7:11:59
